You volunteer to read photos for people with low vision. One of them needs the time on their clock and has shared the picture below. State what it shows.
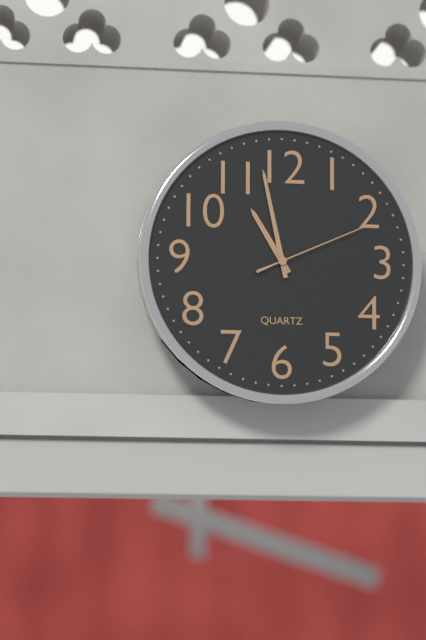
10:58:11
